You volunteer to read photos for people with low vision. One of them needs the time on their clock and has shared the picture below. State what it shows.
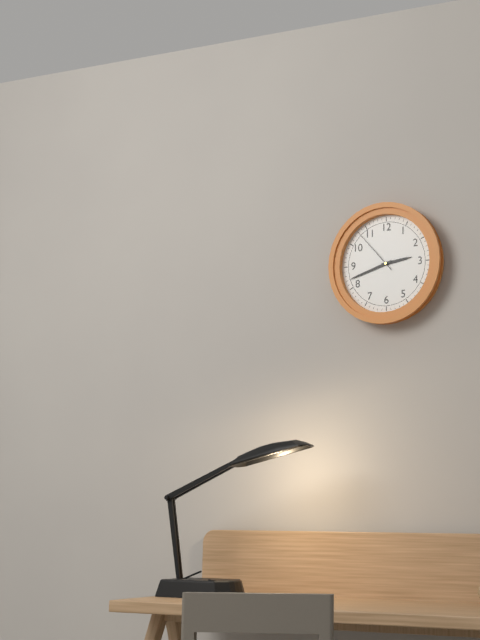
2:42:53
